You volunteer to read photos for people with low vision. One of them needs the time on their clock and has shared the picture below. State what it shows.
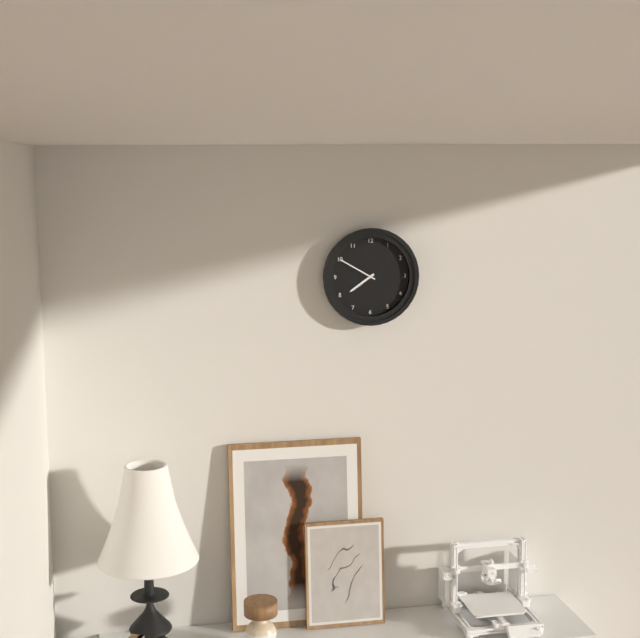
7:50
